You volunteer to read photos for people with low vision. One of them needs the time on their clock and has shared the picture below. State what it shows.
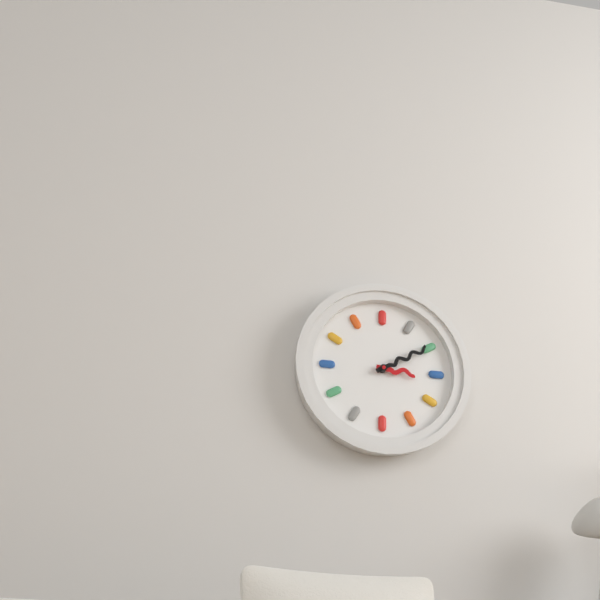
3:10
